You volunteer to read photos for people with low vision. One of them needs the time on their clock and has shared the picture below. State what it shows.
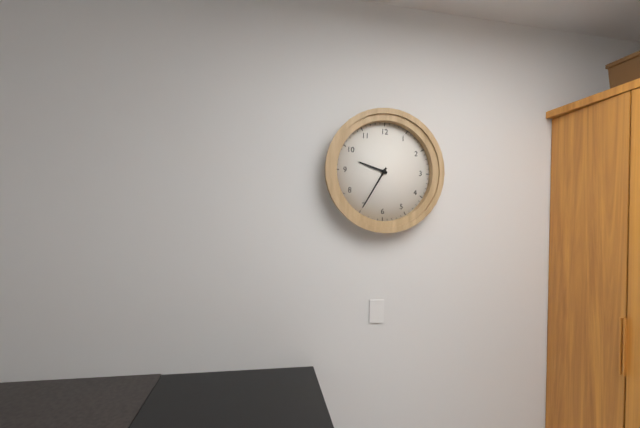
9:35
